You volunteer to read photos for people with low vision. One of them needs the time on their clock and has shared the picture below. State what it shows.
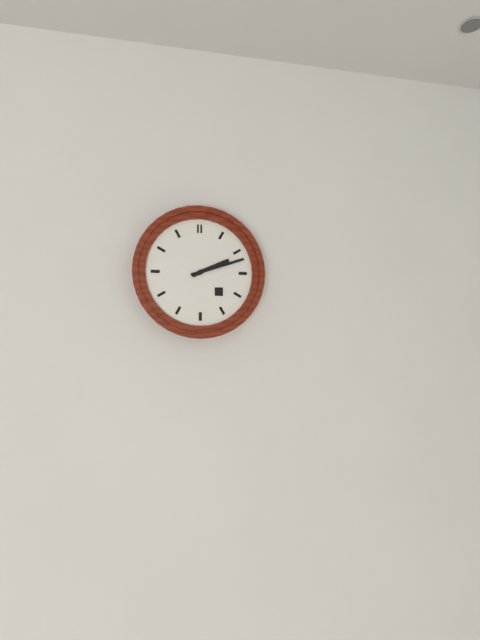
2:12
